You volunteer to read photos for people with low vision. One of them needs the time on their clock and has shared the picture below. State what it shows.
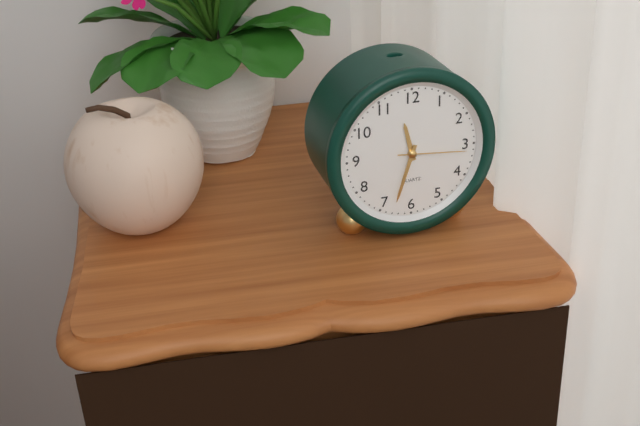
11:33:16
